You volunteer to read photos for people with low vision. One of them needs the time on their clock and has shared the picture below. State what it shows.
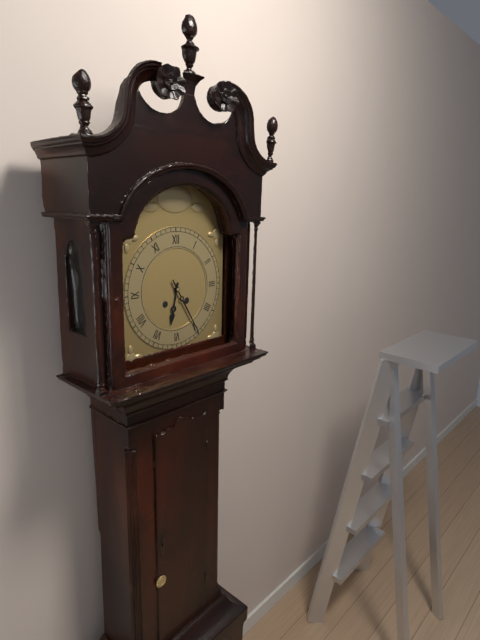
6:25
